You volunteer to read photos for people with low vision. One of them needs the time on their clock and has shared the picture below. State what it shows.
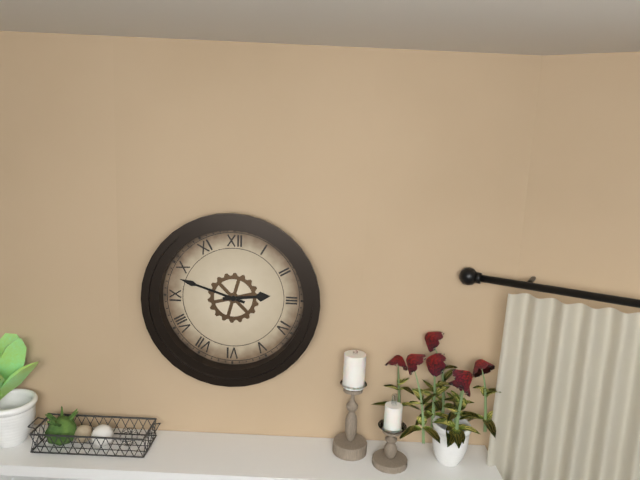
2:48
